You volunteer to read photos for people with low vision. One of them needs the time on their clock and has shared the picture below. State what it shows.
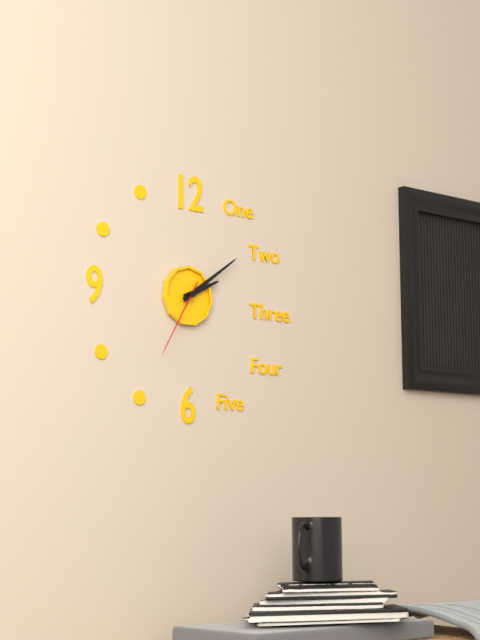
2:09:35
